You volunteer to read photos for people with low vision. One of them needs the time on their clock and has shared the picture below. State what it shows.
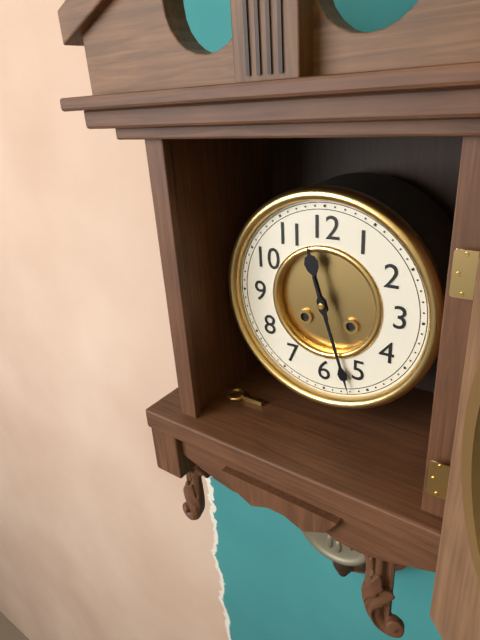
11:27
